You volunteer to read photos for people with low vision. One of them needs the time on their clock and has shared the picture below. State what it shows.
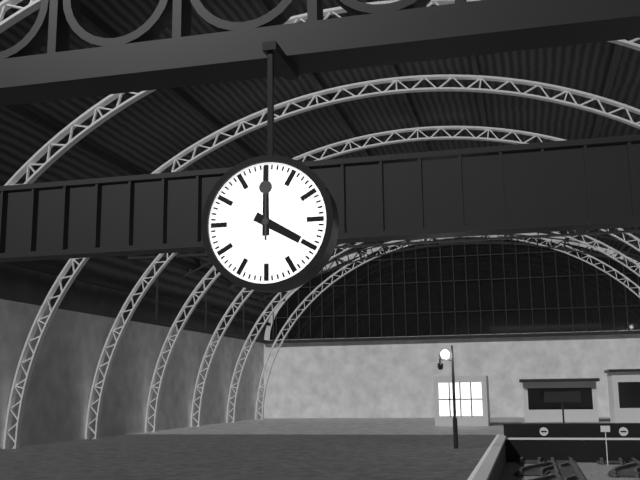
4:00:00
